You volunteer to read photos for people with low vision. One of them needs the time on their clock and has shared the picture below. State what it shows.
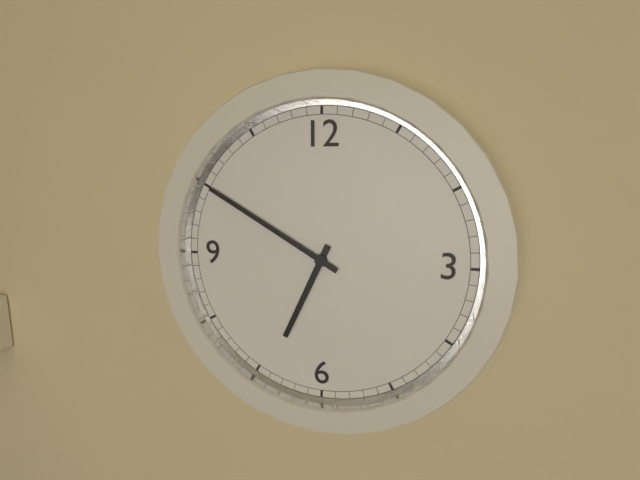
6:50
